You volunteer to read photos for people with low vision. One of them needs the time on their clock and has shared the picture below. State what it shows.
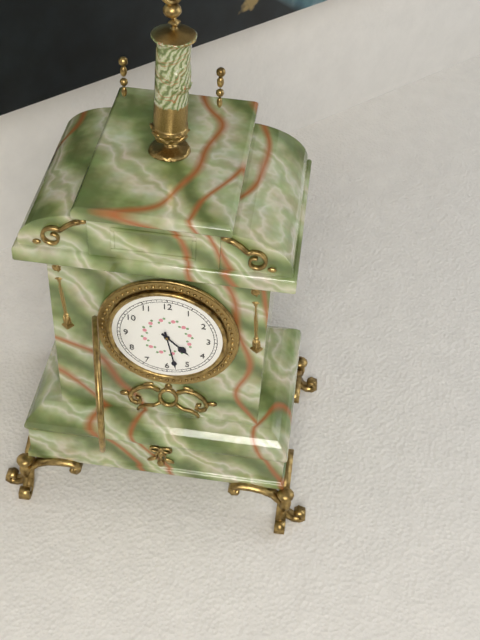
4:28
